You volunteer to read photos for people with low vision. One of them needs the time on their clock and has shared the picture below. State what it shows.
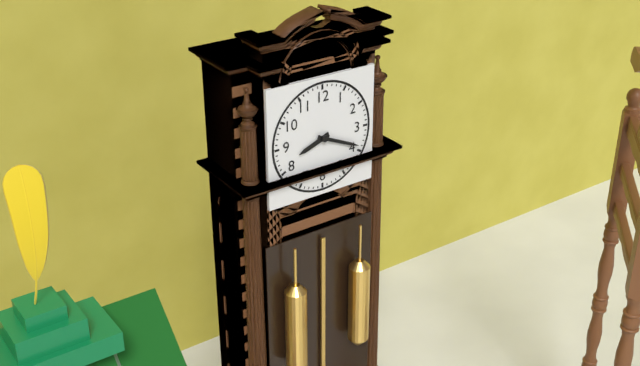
8:19
